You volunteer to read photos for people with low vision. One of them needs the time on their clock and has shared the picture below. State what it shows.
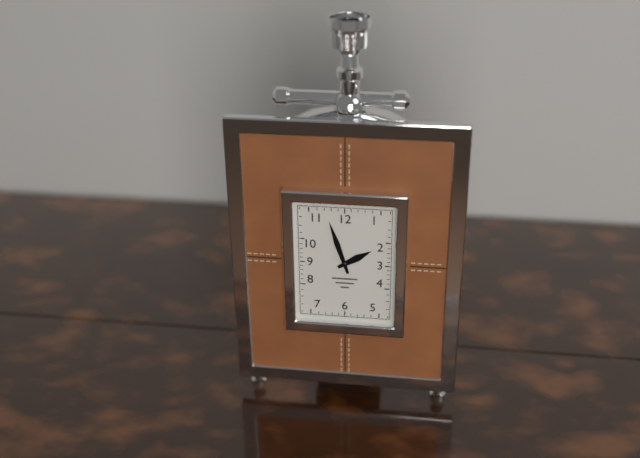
1:57
